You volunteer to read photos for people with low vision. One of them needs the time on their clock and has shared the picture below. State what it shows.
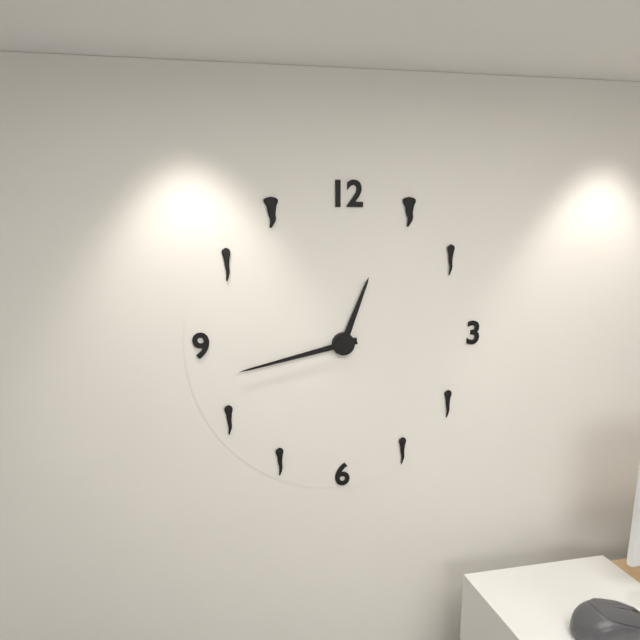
12:43
